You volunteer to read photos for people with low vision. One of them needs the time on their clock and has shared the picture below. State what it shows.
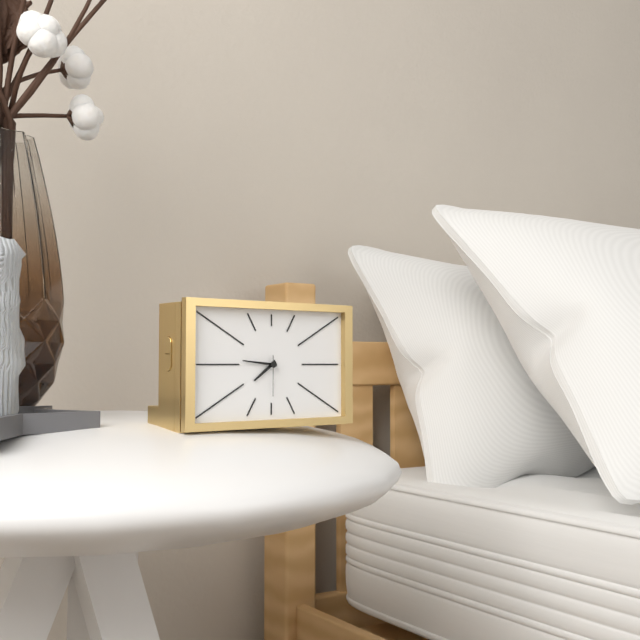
7:46
